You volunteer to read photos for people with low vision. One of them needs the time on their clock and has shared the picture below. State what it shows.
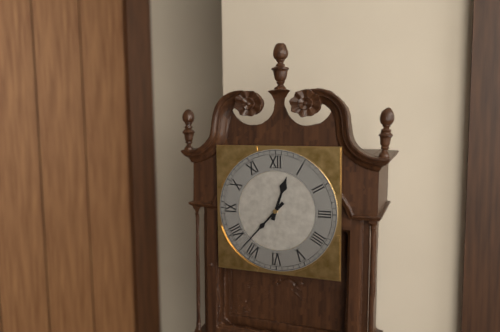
12:37
